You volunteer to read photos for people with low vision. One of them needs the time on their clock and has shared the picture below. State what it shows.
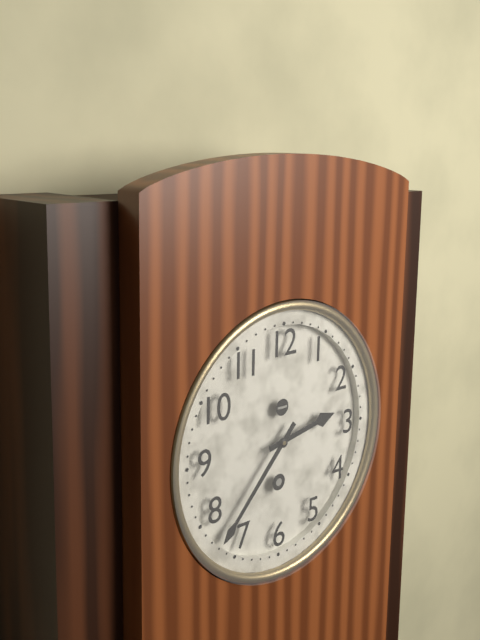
2:37
